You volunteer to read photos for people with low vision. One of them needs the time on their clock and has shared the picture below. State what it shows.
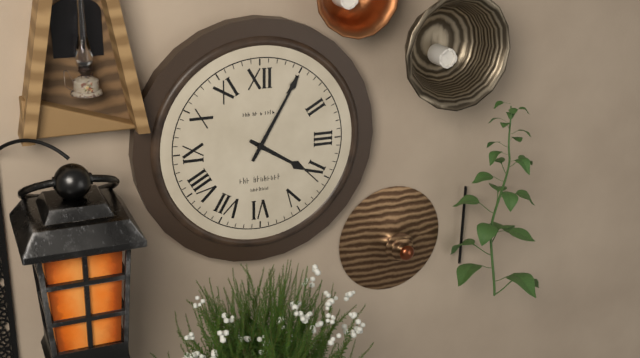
4:05
